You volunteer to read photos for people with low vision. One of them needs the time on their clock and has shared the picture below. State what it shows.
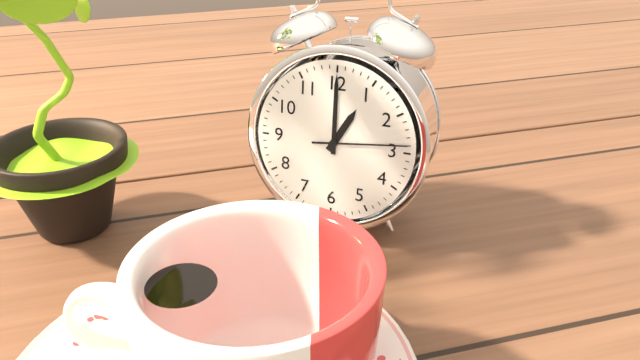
1:00:14
